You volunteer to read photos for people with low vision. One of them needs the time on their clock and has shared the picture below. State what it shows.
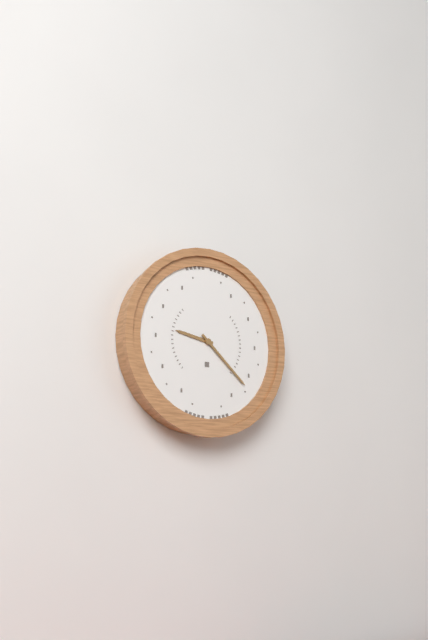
9:22
